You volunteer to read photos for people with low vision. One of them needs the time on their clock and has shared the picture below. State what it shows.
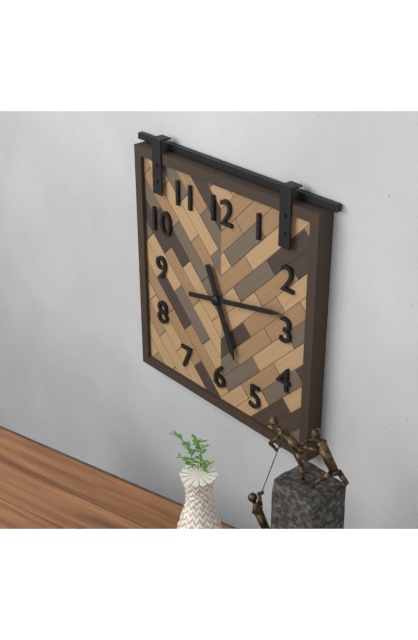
5:13
